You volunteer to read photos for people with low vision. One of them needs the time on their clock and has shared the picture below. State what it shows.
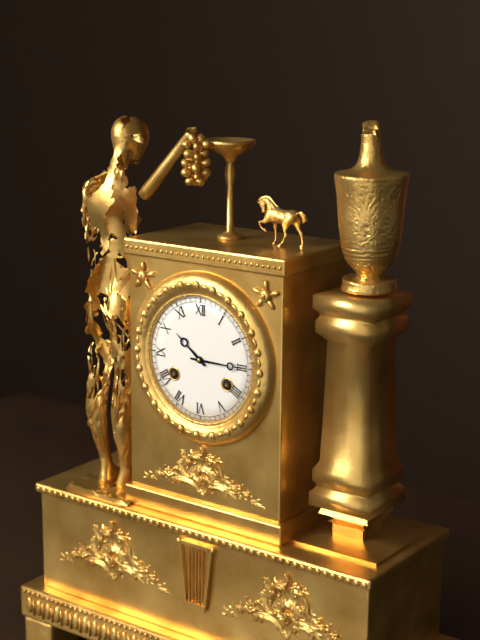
10:15
